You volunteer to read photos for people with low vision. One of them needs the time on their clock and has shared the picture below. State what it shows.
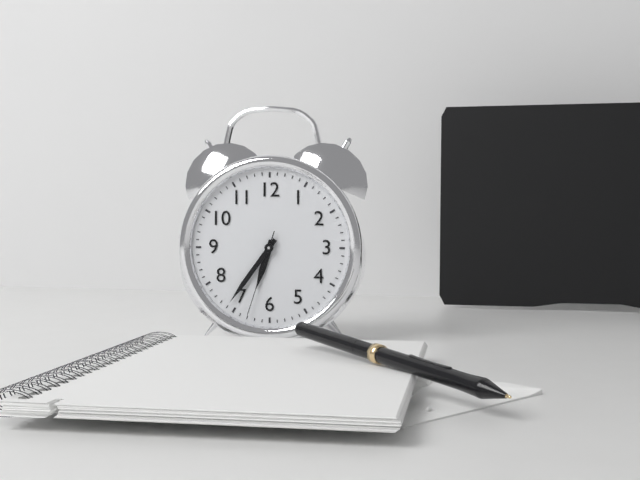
6:36:33
